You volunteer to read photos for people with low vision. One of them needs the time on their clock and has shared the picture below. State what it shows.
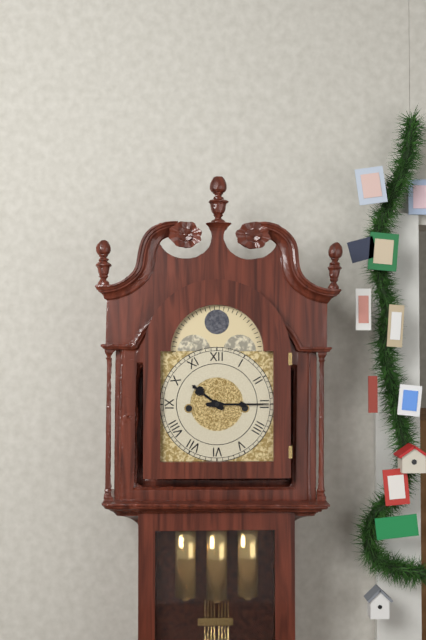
10:15
